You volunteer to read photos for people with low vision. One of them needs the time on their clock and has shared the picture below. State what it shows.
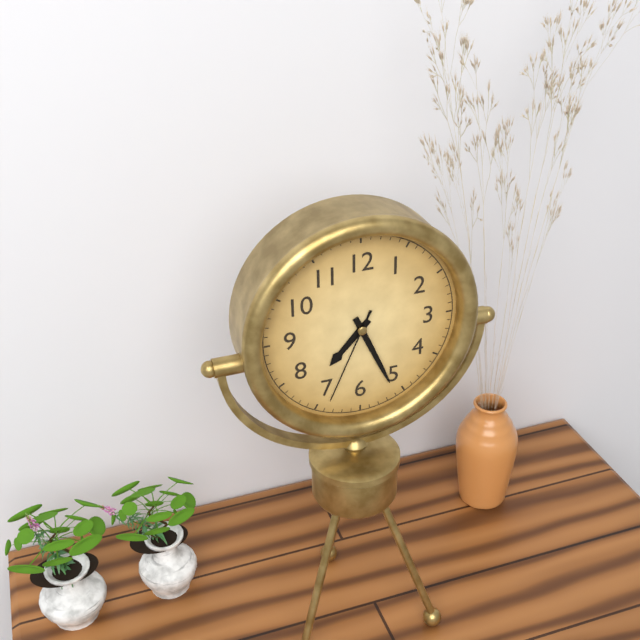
7:26:34
